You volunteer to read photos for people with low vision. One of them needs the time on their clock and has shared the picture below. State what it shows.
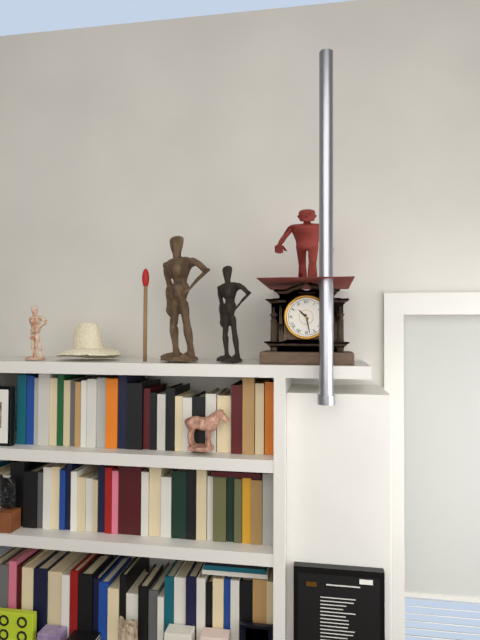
10:28
